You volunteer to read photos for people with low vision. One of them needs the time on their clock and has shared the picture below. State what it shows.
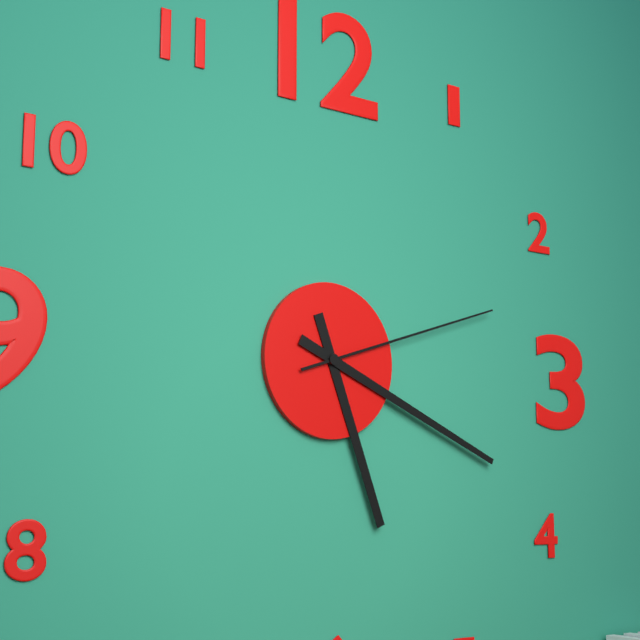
5:19:12
